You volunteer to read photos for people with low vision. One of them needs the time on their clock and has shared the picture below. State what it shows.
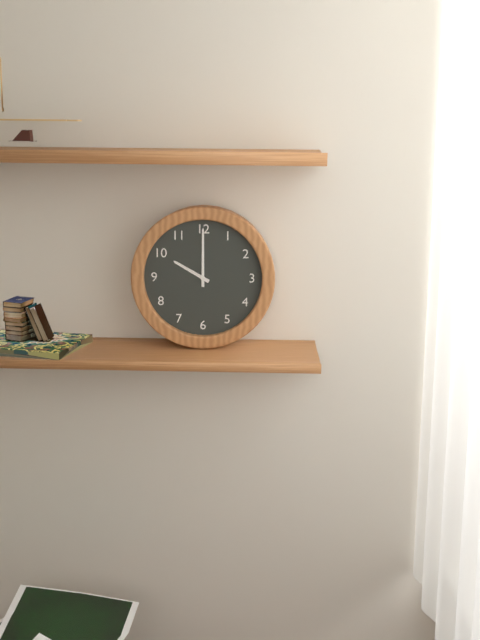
10:00
